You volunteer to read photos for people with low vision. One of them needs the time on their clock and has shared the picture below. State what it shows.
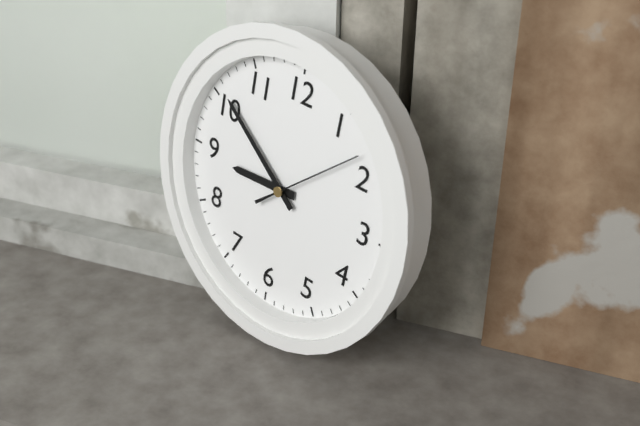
8:51:08
